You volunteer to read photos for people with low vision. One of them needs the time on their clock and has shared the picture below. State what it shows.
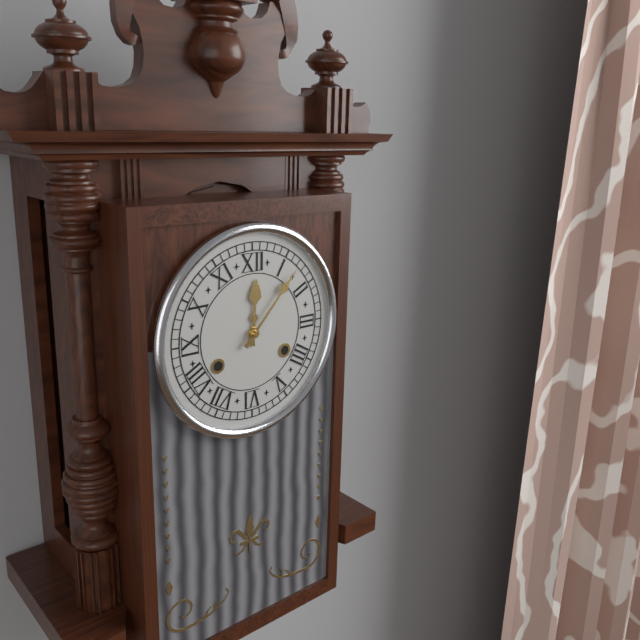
12:07
